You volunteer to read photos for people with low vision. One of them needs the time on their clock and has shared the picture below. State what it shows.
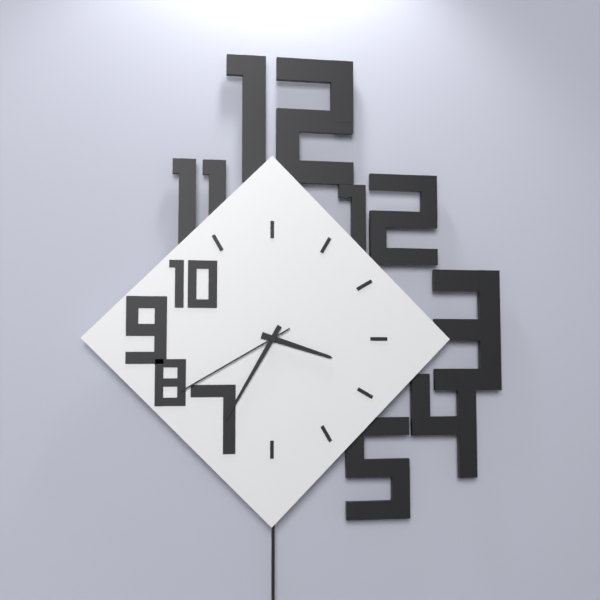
3:35:40
